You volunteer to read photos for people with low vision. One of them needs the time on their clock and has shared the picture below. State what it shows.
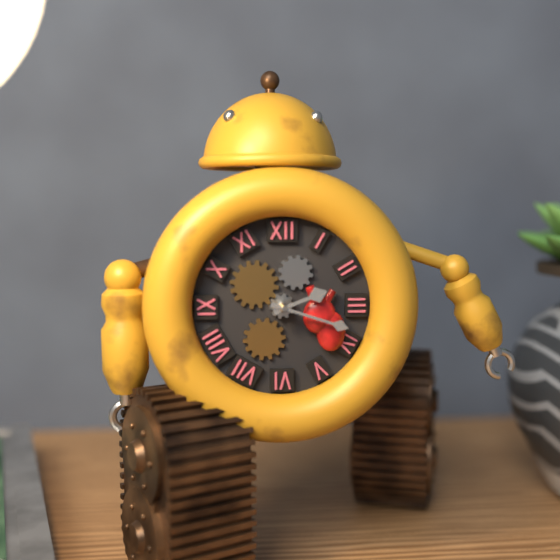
2:18
